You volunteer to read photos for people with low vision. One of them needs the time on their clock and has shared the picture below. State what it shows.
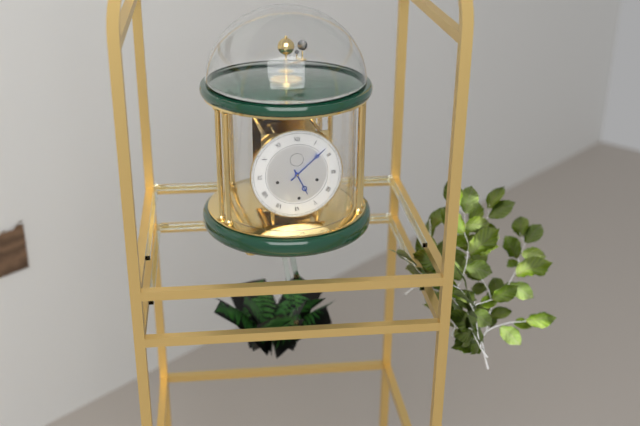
5:08
